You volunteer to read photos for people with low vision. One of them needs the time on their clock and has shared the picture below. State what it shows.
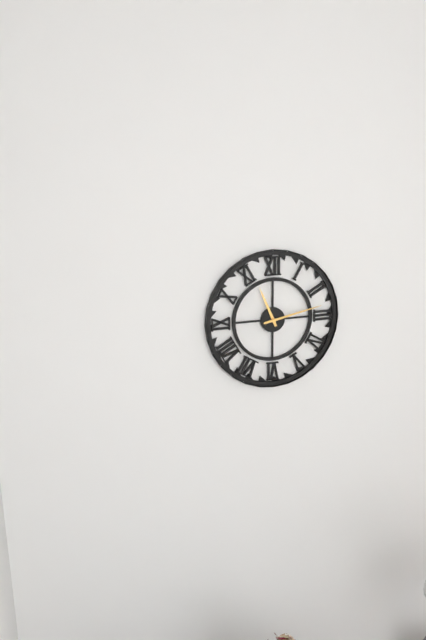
11:13
